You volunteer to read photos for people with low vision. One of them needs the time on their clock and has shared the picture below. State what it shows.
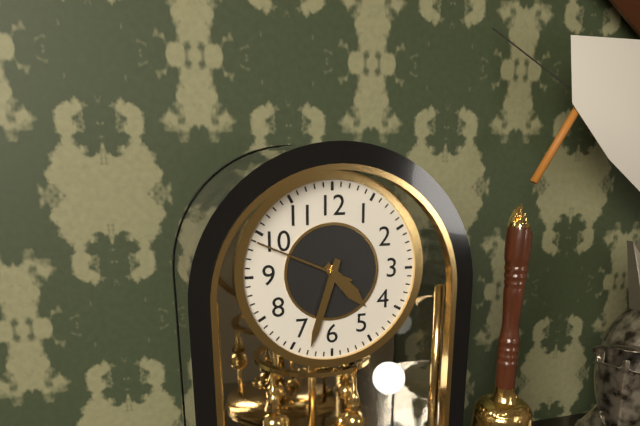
4:33:49
